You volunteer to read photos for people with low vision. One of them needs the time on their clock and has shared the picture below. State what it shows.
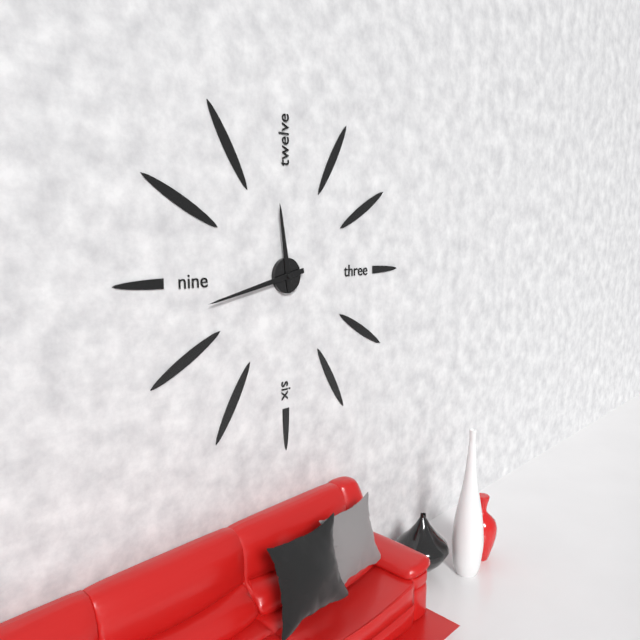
11:43
